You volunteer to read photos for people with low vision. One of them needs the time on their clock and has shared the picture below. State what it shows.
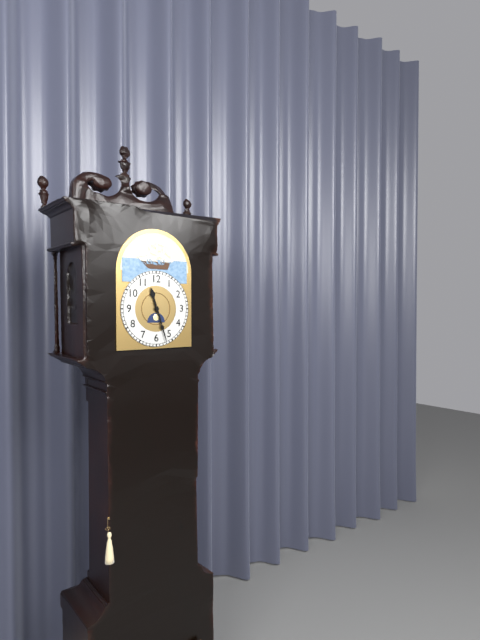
11:27
